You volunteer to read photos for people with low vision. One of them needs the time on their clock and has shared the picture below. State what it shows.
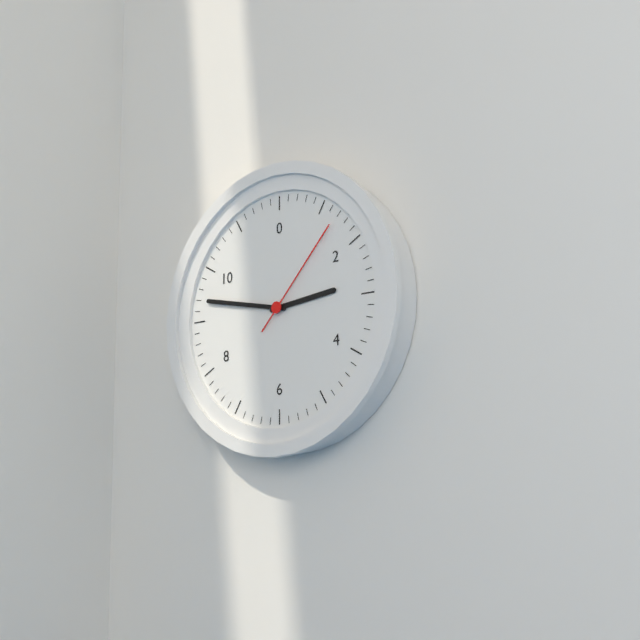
2:47:07
